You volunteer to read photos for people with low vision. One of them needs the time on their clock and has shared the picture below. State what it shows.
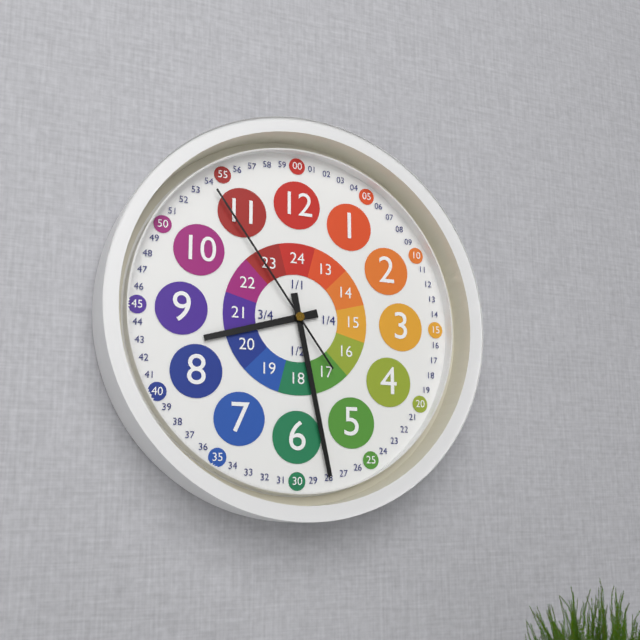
8:28:54
